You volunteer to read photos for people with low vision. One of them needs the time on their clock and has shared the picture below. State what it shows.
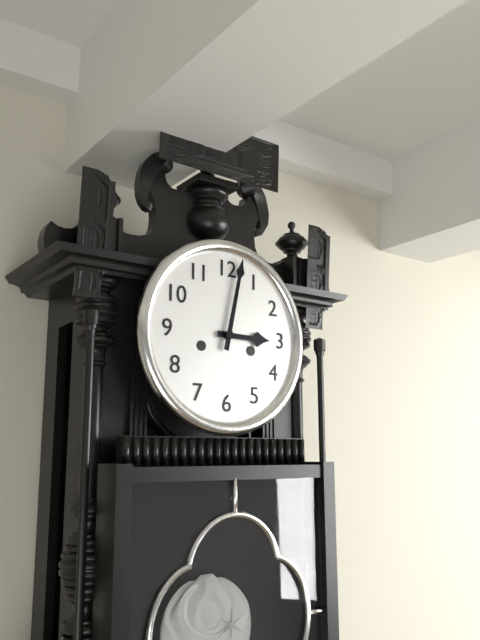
3:02
